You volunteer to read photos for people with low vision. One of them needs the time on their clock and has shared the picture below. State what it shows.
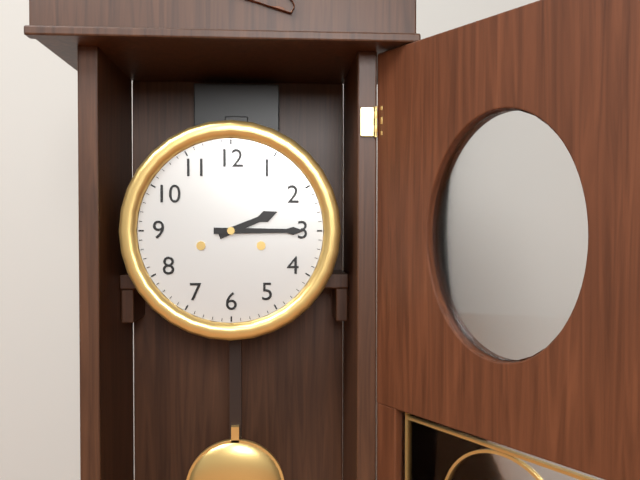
2:15
